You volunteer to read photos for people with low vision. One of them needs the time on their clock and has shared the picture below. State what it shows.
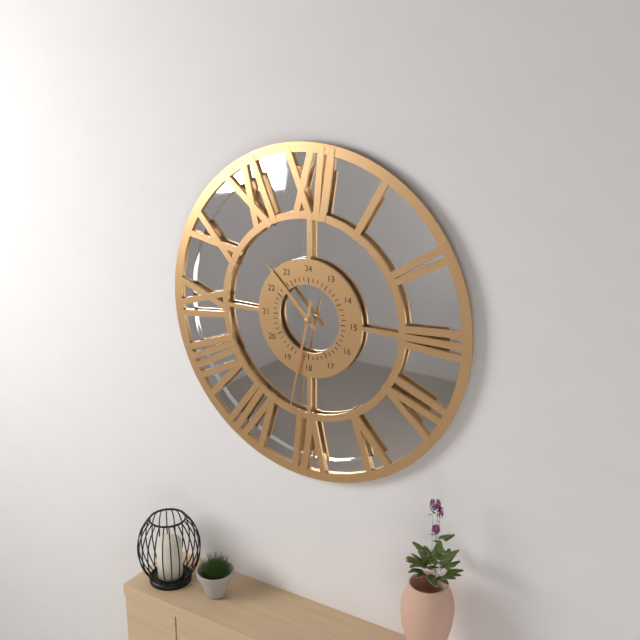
10:32
